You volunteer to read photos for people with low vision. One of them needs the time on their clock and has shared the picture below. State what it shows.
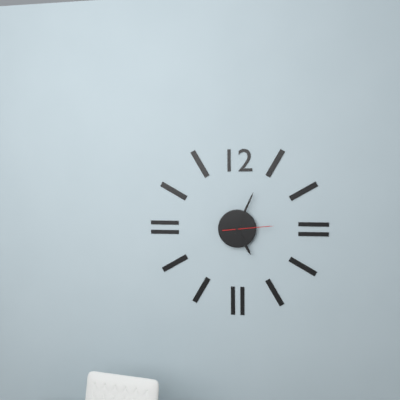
5:04
